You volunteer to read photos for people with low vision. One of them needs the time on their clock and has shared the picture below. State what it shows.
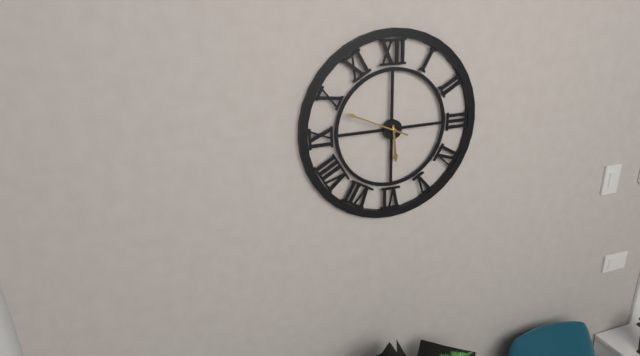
5:49
